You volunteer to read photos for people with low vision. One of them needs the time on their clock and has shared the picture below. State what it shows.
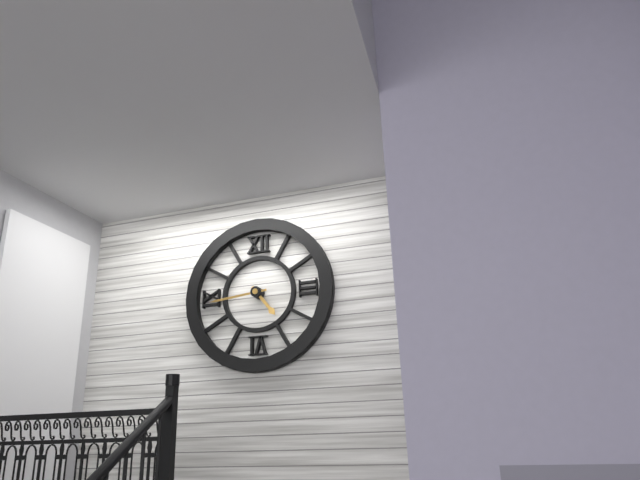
4:44
